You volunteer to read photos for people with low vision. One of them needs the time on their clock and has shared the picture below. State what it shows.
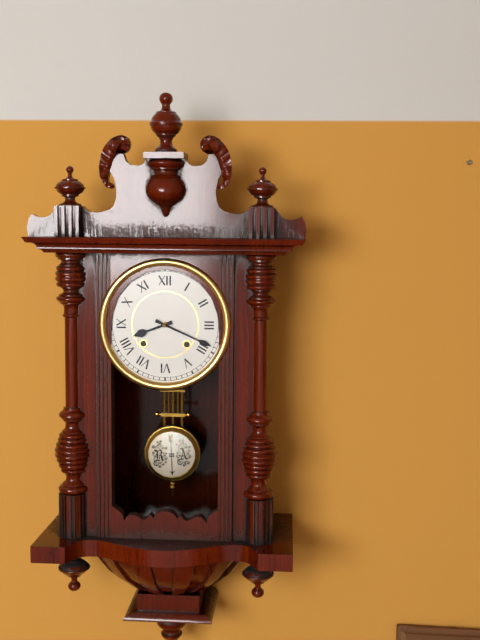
8:19
